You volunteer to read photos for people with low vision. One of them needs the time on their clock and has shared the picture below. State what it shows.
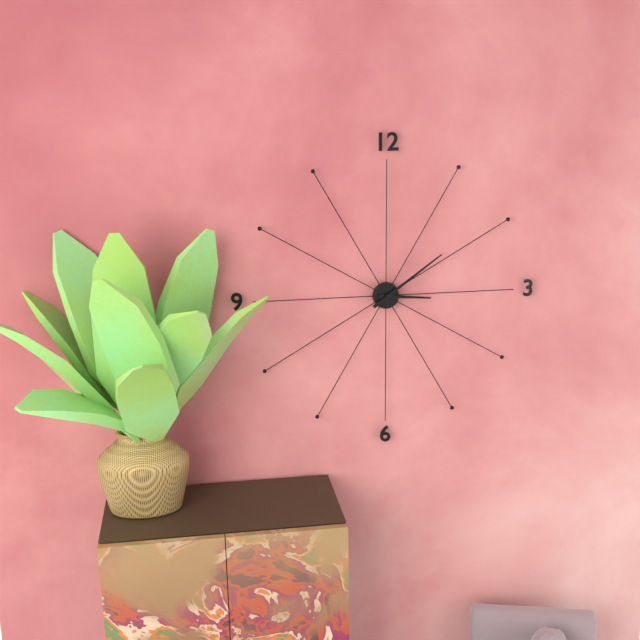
3:09
